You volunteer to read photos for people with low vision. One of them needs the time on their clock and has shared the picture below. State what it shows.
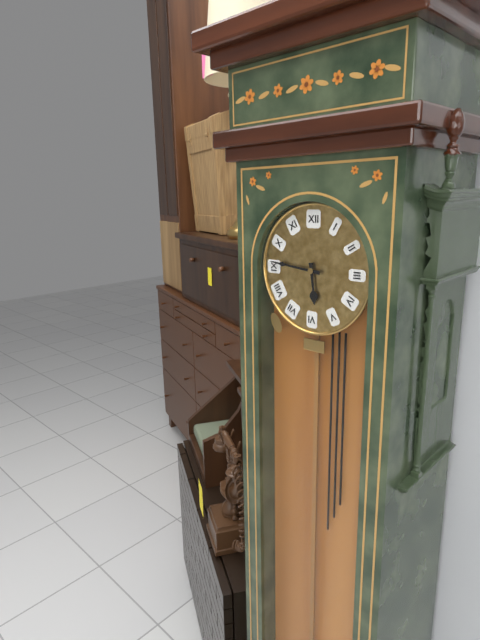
5:46
